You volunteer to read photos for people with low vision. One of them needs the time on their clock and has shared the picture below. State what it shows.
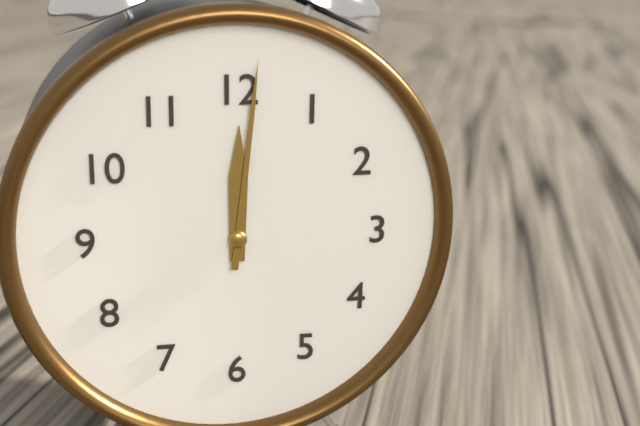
12:01
